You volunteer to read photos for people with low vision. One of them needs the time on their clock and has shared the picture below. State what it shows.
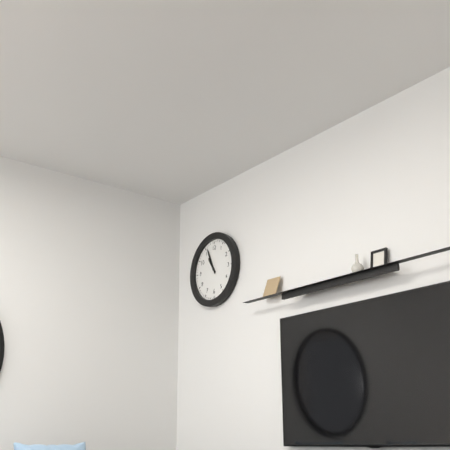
10:56
